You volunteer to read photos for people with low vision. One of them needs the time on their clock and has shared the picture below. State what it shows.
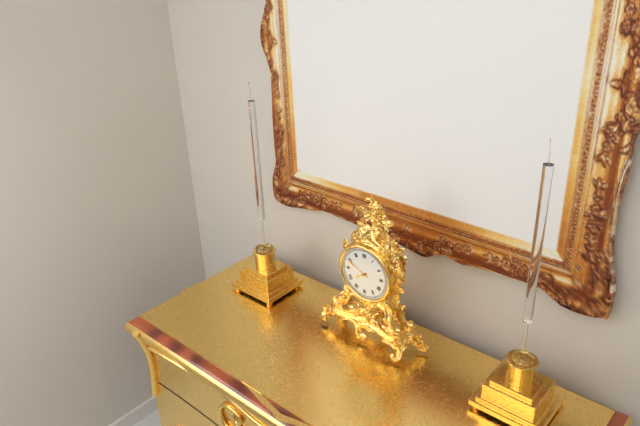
7:49
